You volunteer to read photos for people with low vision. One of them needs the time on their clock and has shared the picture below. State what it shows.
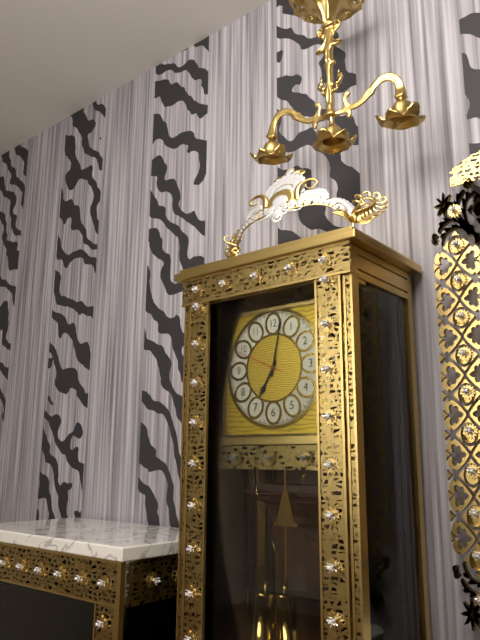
7:02
